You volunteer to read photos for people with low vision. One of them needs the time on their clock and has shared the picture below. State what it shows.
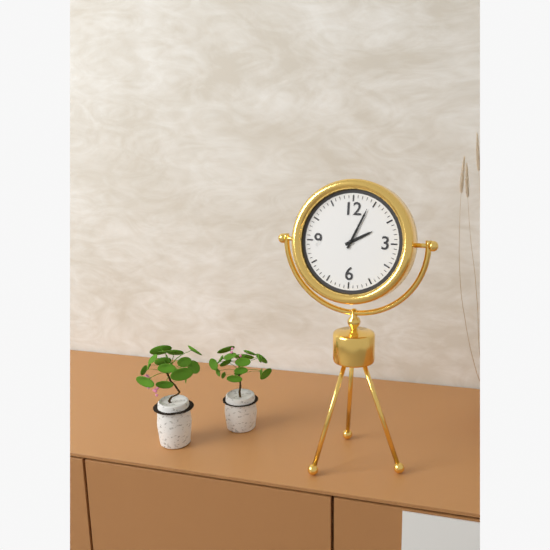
2:04
